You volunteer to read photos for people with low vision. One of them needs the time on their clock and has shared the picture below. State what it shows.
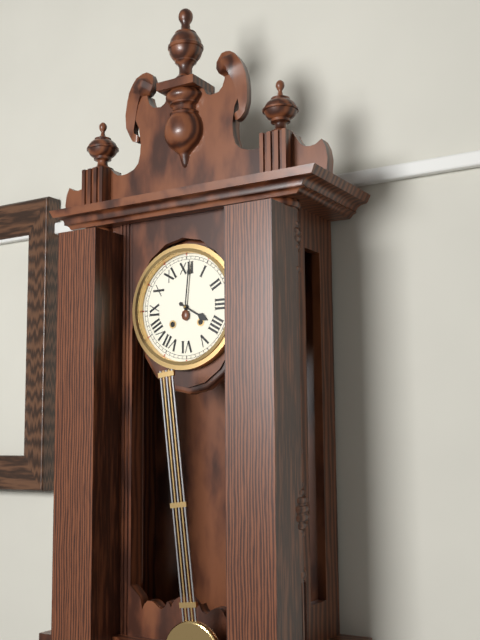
4:01
